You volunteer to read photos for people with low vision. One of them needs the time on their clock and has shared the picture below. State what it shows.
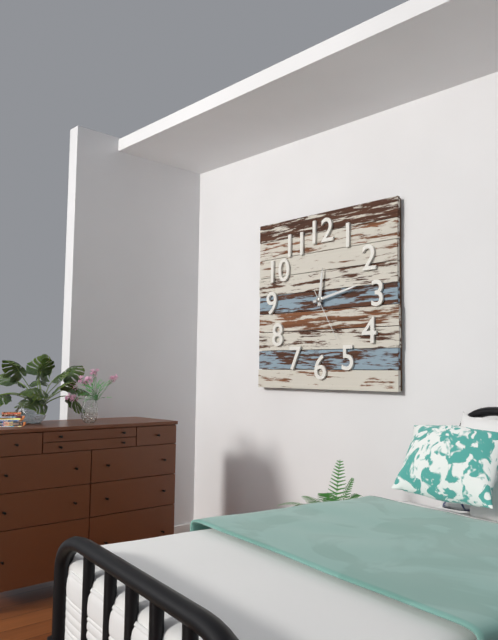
12:13:25
